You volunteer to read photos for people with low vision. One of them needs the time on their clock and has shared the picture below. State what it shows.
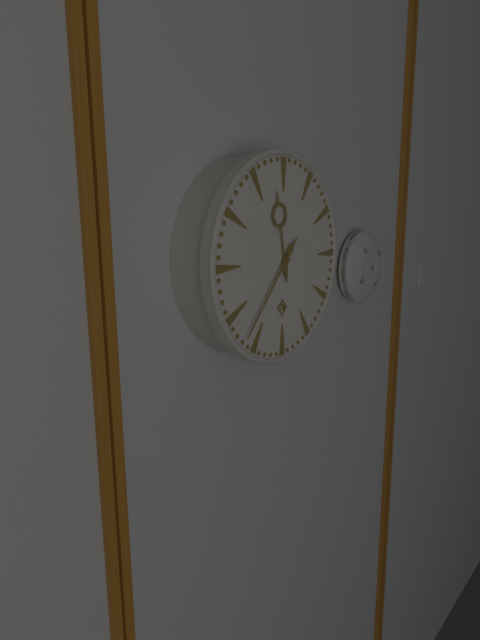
11:37
